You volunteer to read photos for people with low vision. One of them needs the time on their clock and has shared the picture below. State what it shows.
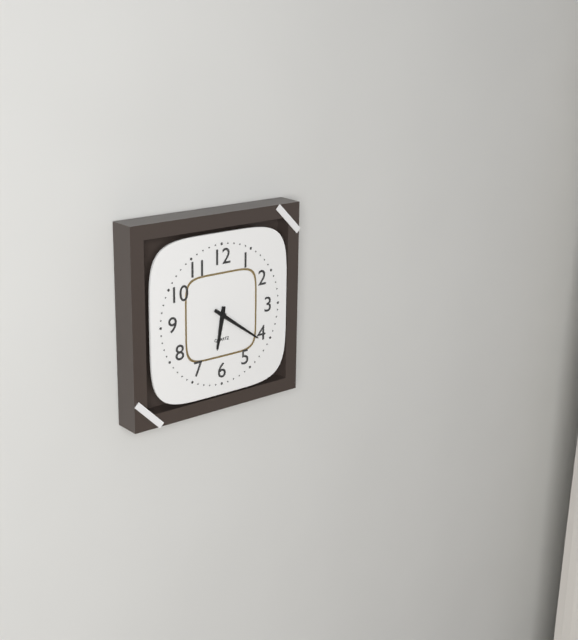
6:21
